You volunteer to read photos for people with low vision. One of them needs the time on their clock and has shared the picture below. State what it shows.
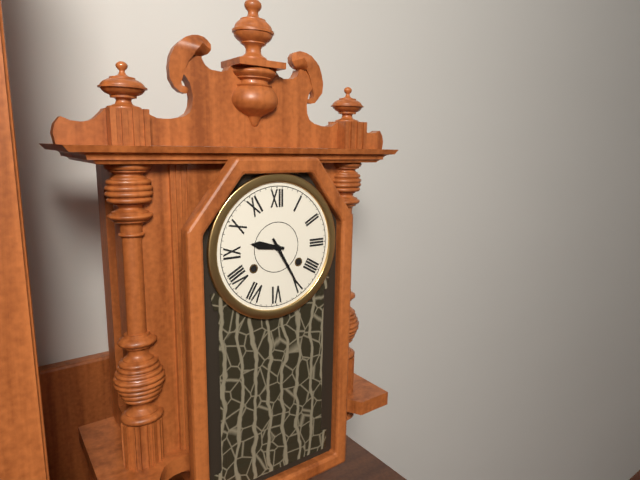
9:25
